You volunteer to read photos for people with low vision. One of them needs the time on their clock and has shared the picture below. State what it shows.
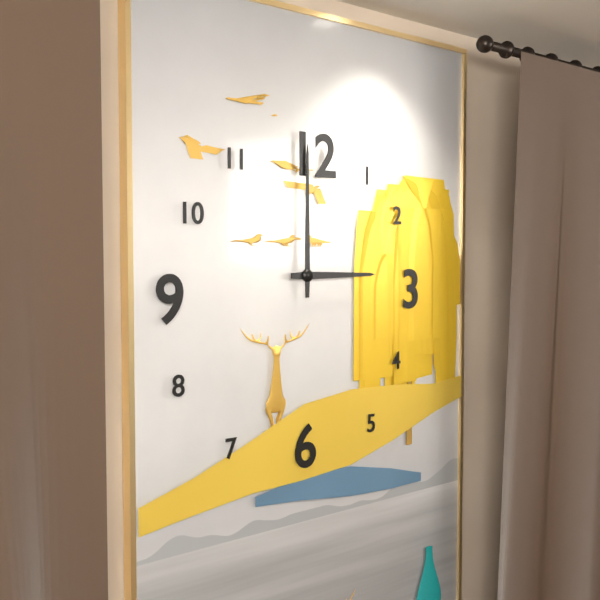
3:00
